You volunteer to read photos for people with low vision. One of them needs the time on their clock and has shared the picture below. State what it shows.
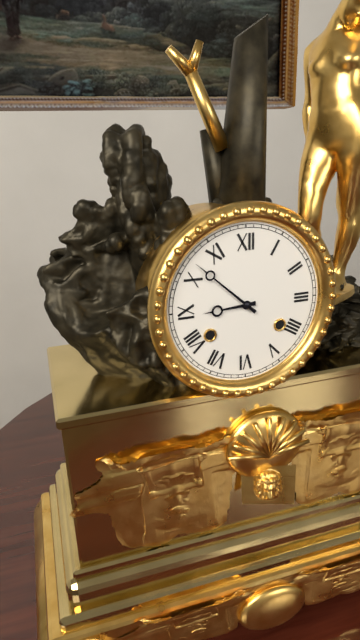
8:52
